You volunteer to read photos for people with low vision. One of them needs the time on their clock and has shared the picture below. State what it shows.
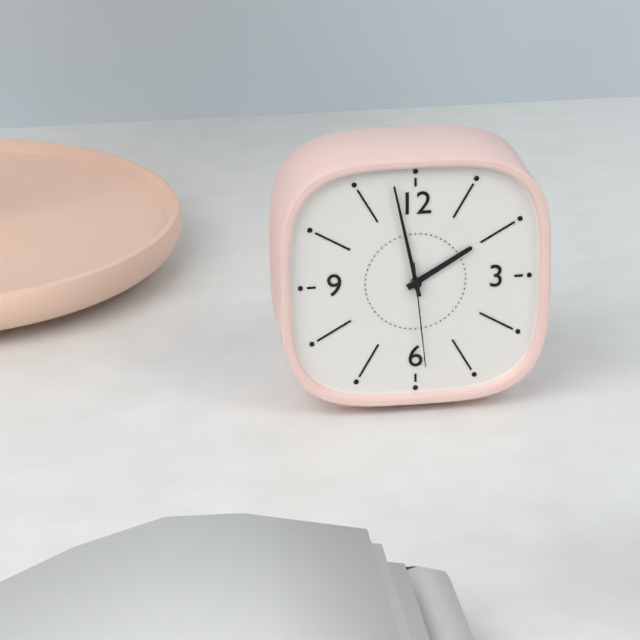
1:58:29
